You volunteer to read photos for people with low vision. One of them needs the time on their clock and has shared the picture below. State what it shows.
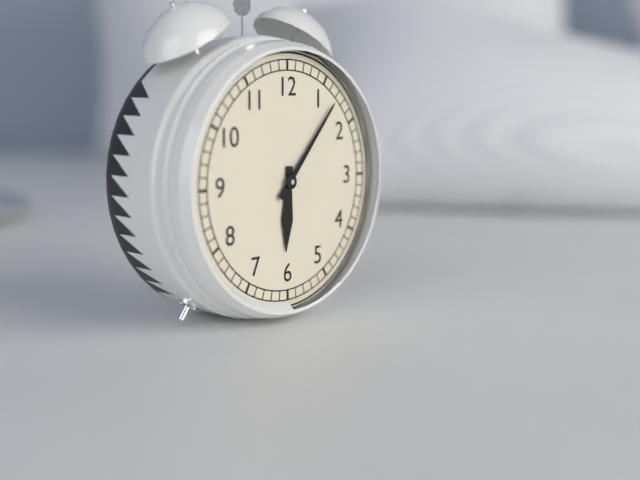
6:07
